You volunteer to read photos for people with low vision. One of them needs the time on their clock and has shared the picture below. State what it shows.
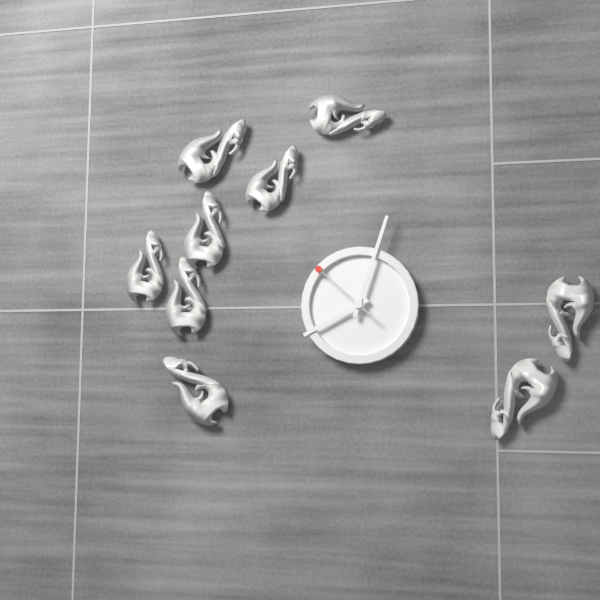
8:03:52
